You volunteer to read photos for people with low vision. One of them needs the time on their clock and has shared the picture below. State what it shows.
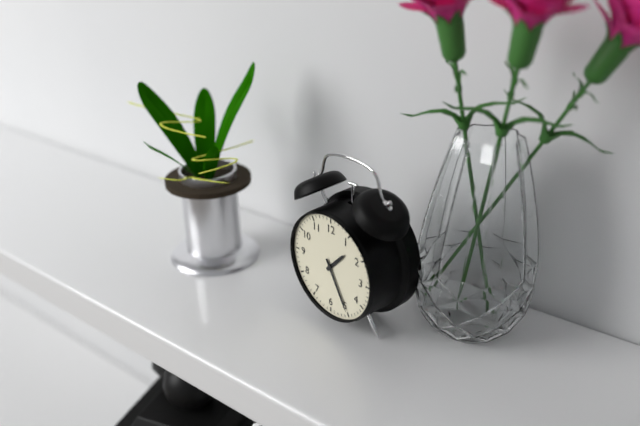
1:25
